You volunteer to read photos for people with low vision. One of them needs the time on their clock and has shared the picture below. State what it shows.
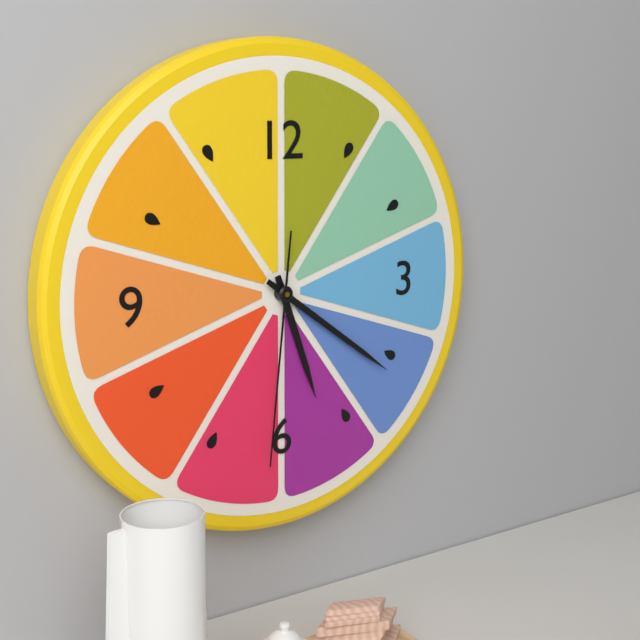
5:21:31
